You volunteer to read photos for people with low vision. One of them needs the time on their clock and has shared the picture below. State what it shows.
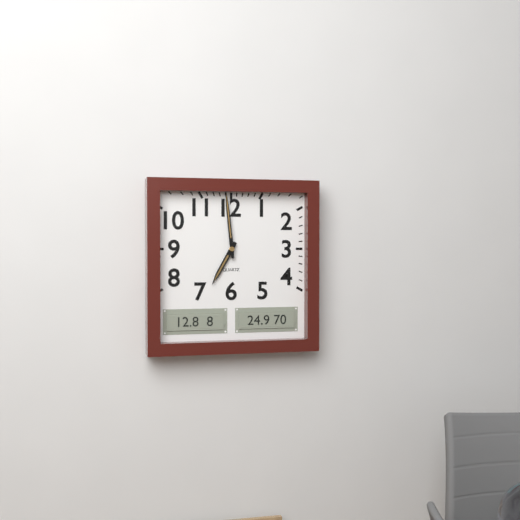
6:59
